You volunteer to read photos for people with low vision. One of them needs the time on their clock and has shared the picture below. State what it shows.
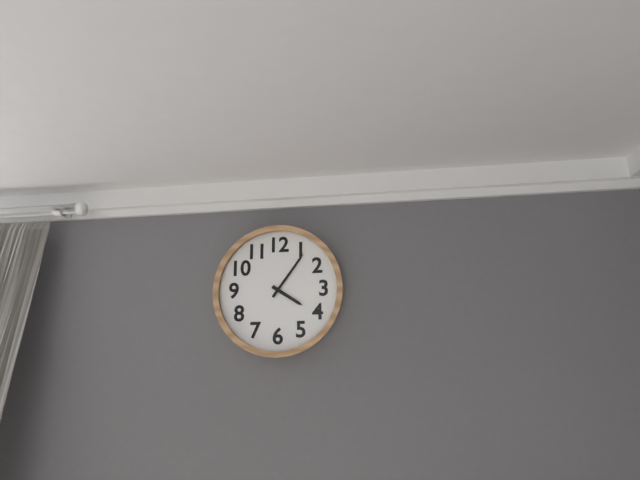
4:06
